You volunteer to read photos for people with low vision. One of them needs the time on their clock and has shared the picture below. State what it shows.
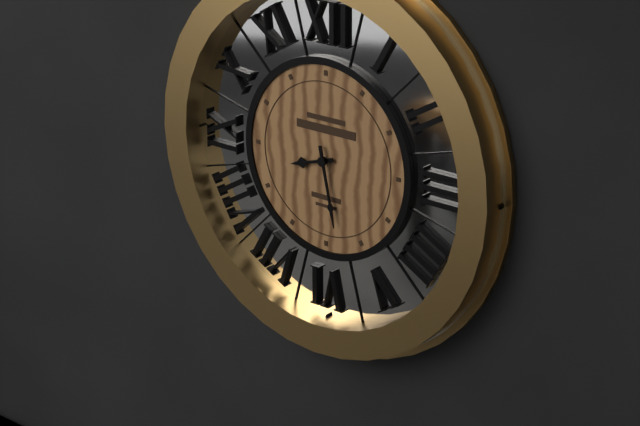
8:28
